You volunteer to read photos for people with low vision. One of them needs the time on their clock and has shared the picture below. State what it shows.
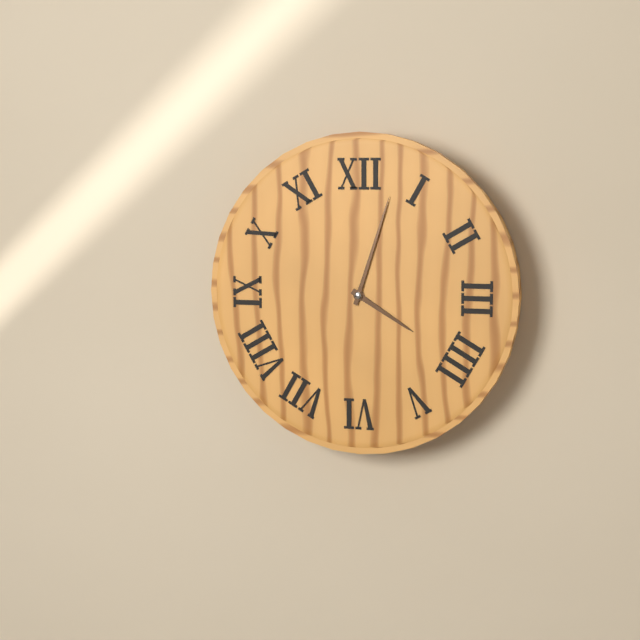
4:03
